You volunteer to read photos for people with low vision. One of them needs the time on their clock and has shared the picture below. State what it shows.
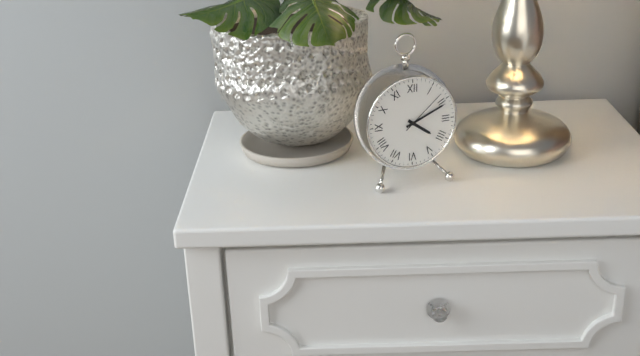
4:11:08
